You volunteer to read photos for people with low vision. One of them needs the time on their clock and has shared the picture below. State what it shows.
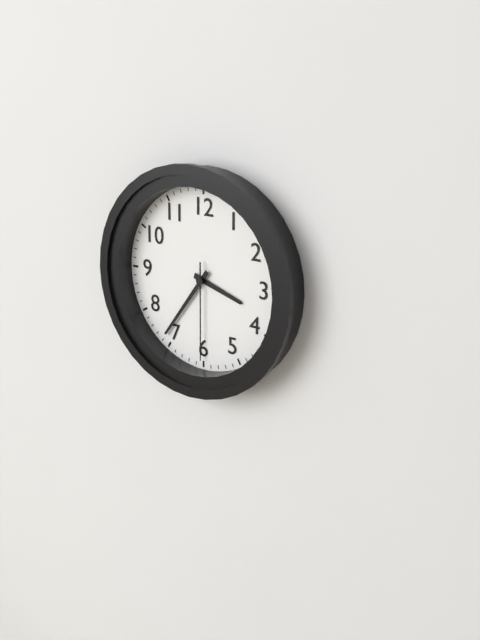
3:36:30
